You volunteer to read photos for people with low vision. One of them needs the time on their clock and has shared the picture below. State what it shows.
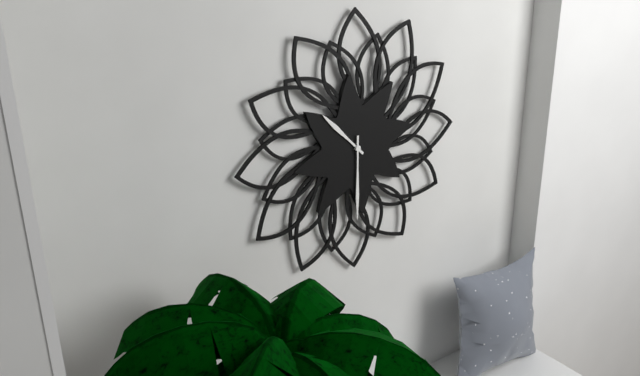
10:30
